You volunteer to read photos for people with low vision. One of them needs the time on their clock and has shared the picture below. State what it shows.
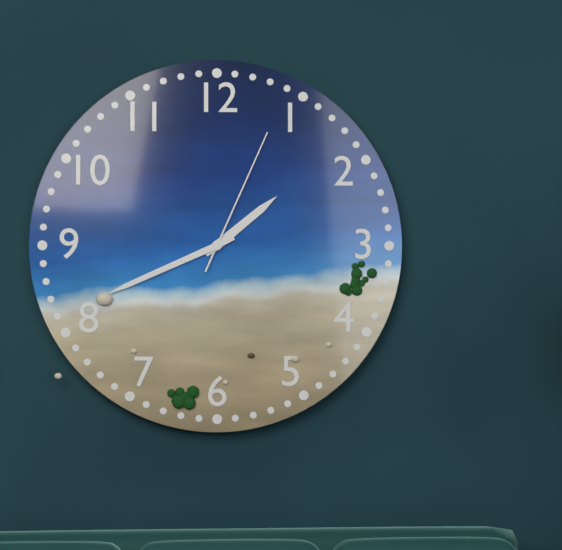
1:41:04
